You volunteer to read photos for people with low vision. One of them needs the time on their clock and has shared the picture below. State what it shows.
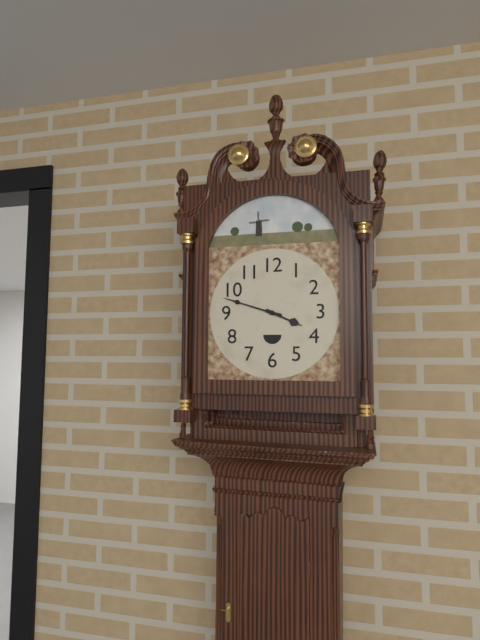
3:48
